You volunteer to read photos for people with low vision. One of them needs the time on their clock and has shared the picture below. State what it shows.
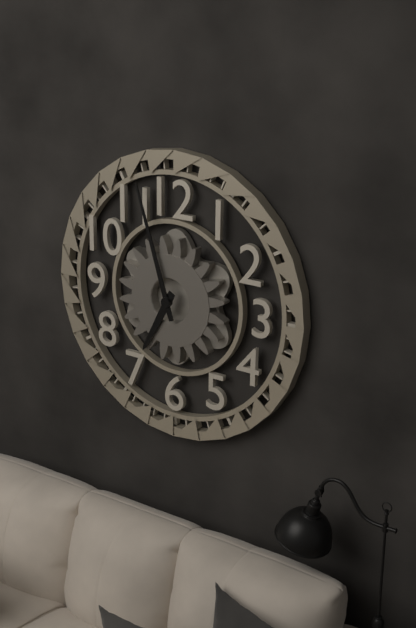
6:57
